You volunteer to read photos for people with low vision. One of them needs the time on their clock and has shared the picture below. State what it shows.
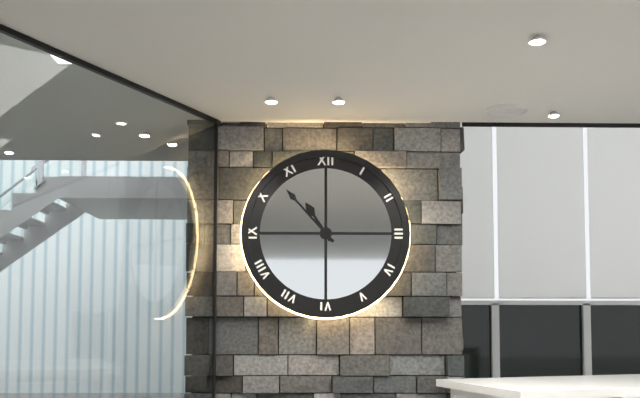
10:53
